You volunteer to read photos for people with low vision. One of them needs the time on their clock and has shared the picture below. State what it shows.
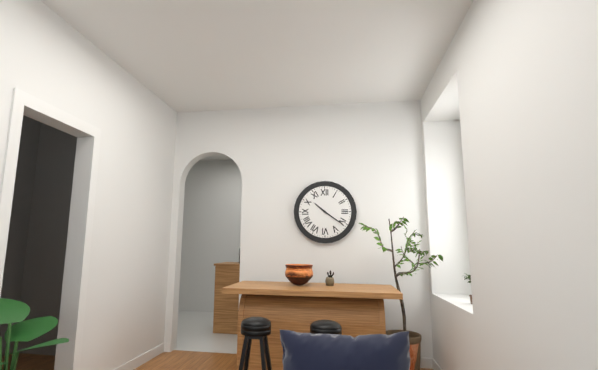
10:21
